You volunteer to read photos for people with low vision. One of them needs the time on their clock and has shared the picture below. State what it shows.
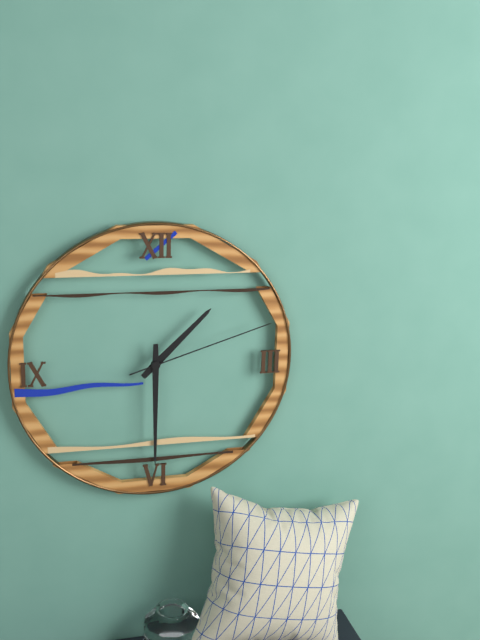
1:30:12
